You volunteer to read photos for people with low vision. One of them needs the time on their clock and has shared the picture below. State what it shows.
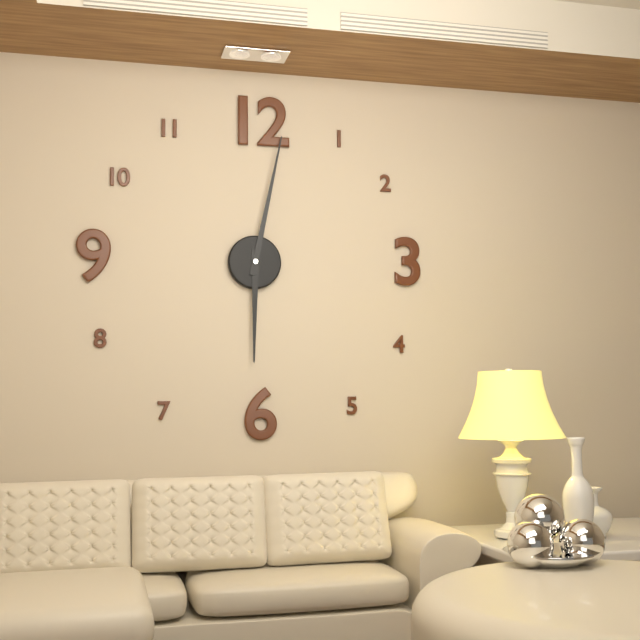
6:02
